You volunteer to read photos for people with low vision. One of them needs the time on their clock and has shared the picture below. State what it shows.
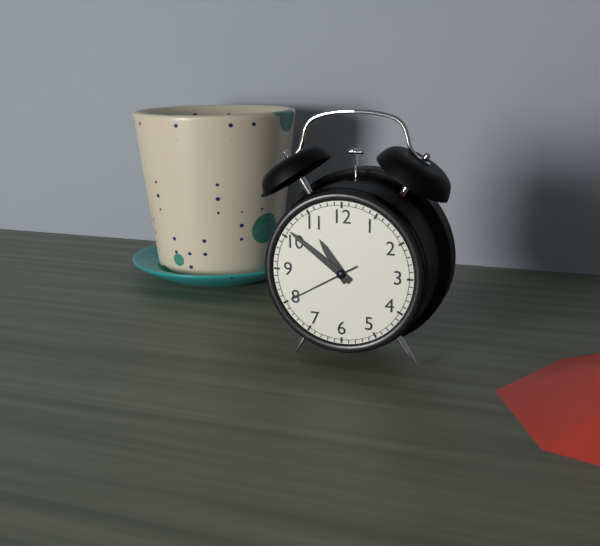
10:51:40
